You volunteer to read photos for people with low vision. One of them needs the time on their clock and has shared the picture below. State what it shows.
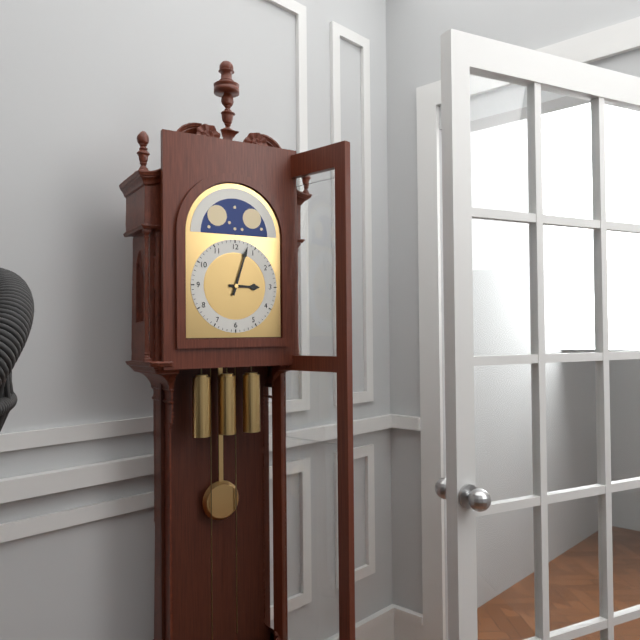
3:03
